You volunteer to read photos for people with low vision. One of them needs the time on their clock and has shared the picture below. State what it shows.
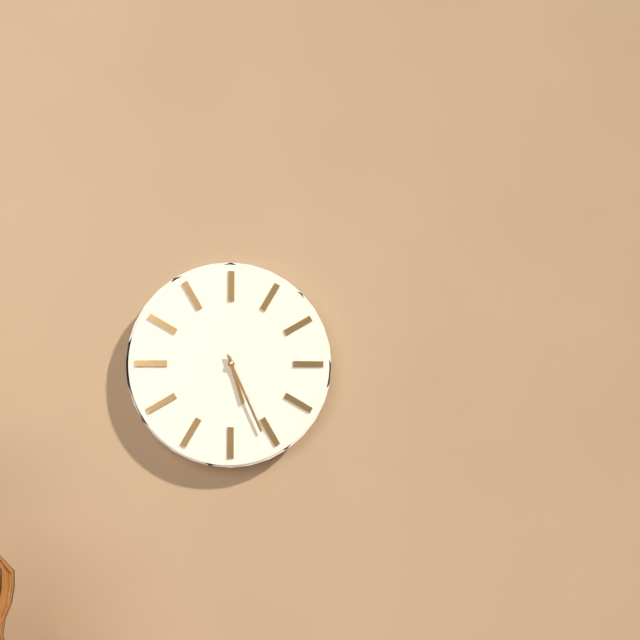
5:26
